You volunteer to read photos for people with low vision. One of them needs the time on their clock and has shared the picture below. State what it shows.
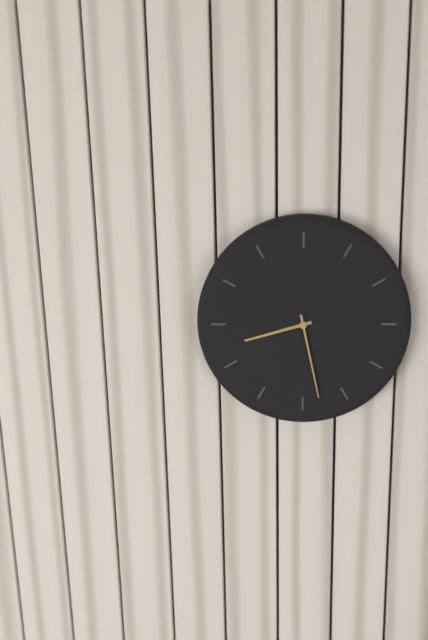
8:28
